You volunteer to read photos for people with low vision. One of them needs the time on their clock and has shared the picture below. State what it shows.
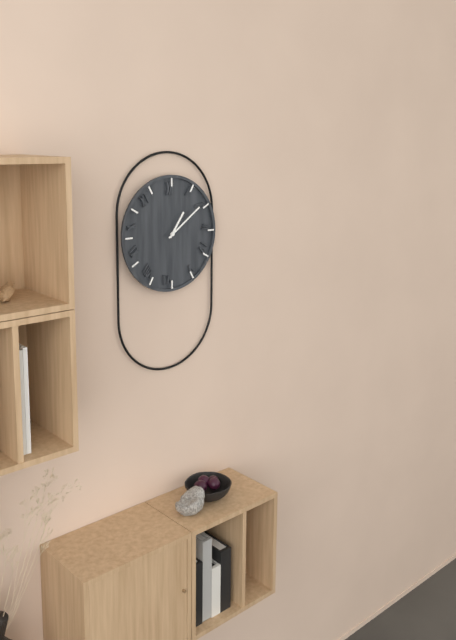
1:09
